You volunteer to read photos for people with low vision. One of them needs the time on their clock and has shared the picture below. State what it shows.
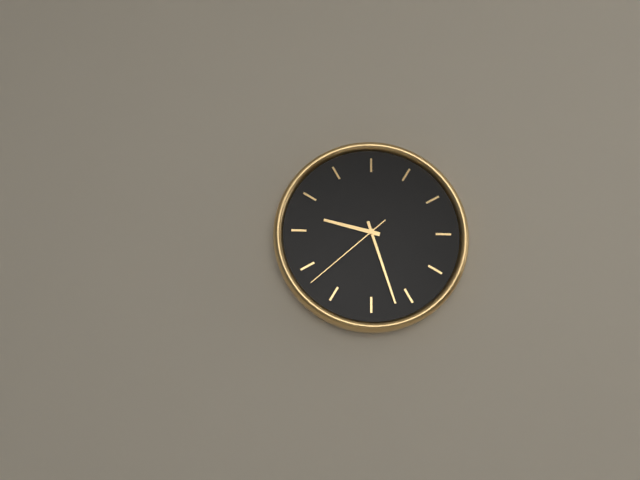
9:27:38
